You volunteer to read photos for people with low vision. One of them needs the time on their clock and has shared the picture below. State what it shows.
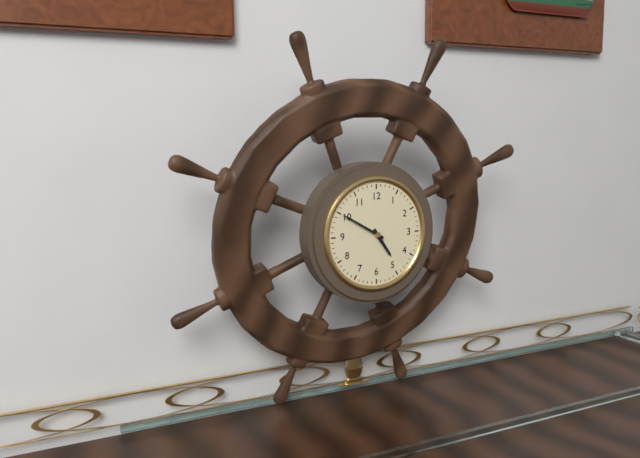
4:50
